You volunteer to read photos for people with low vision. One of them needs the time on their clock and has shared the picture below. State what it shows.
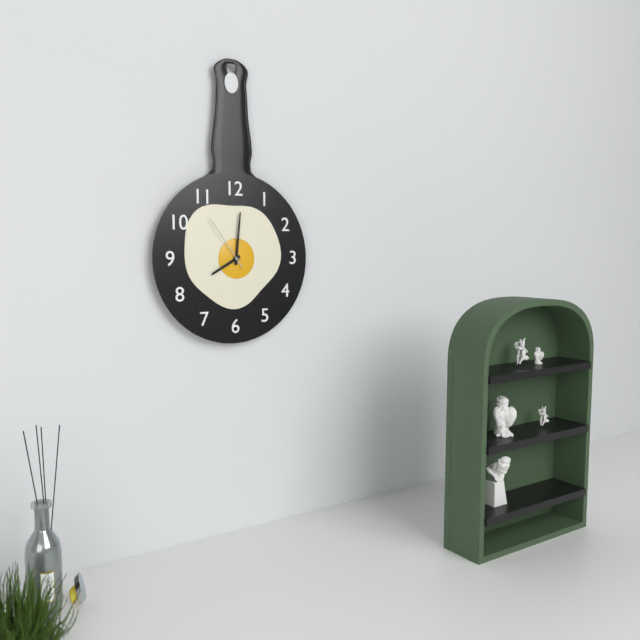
8:01:54
